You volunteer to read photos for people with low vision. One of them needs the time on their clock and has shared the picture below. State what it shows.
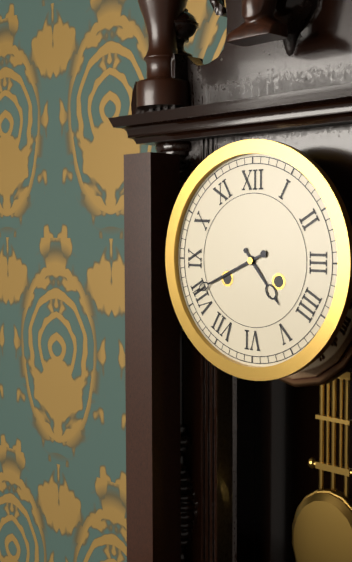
4:41
